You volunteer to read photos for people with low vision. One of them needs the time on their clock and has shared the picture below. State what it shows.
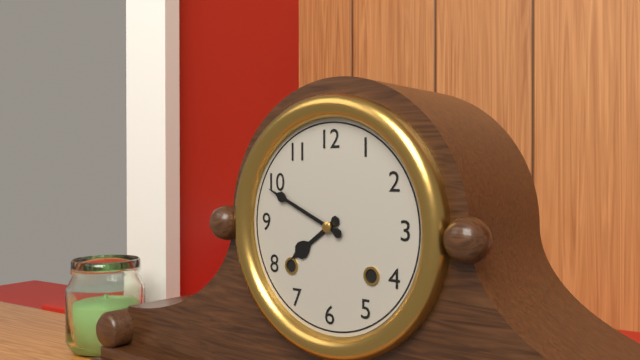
7:49
